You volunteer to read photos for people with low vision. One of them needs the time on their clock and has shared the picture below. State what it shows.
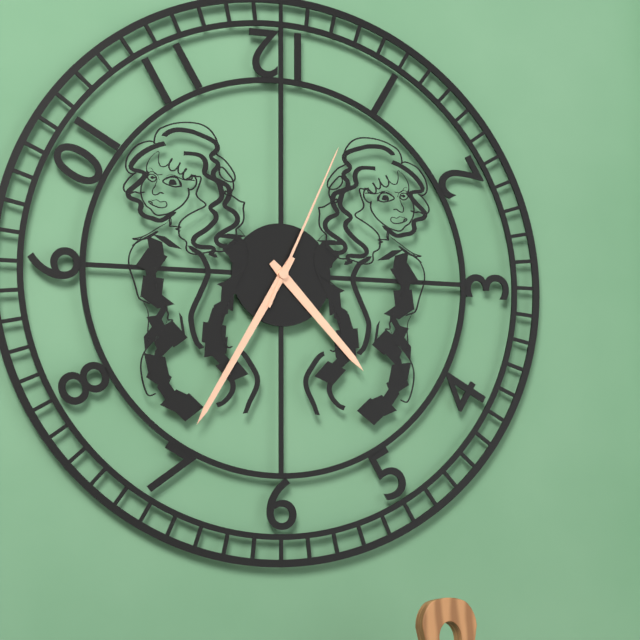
4:35:04
